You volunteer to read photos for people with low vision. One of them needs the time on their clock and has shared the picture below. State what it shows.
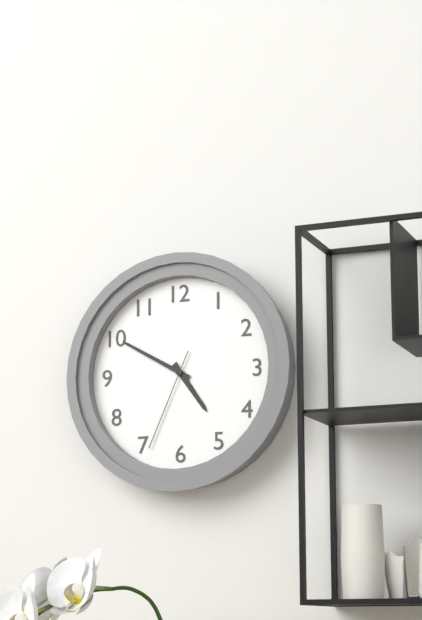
4:50:34
